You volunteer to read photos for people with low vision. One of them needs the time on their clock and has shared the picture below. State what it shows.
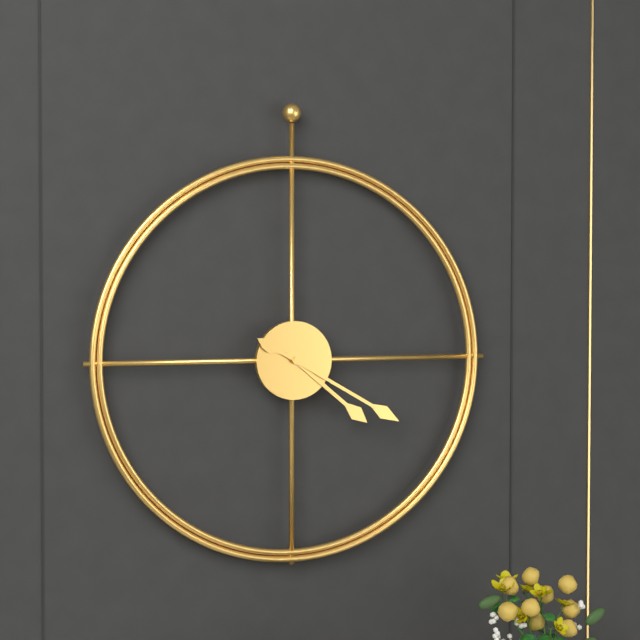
4:20
